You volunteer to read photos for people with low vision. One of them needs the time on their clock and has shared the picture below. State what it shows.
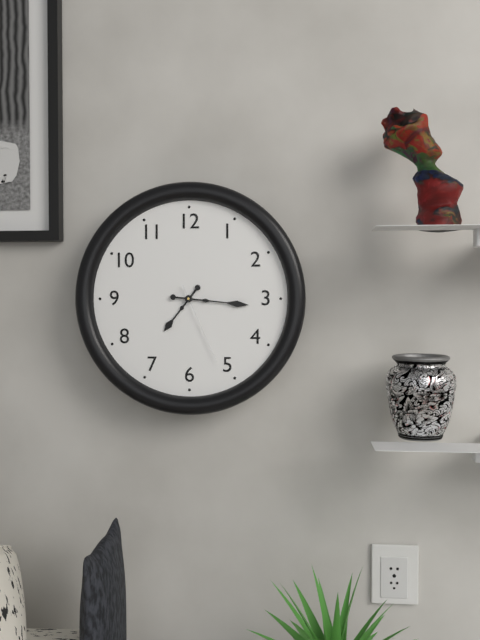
7:16:26
